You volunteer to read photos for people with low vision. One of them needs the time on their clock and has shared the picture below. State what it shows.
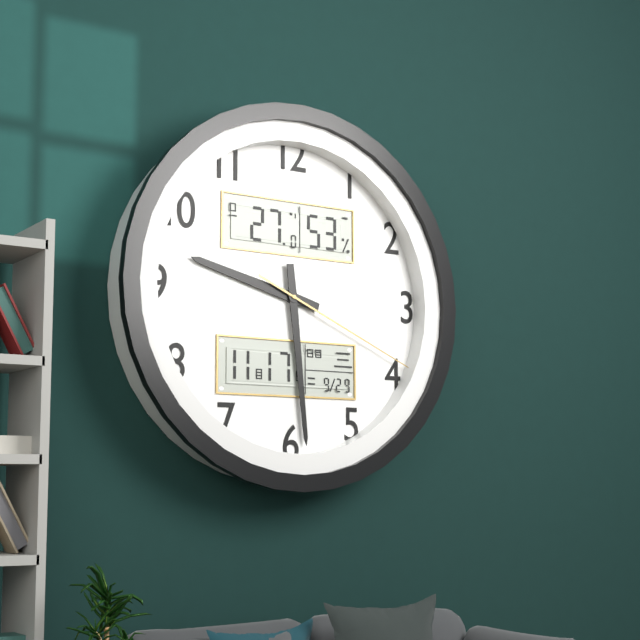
9:29:19
